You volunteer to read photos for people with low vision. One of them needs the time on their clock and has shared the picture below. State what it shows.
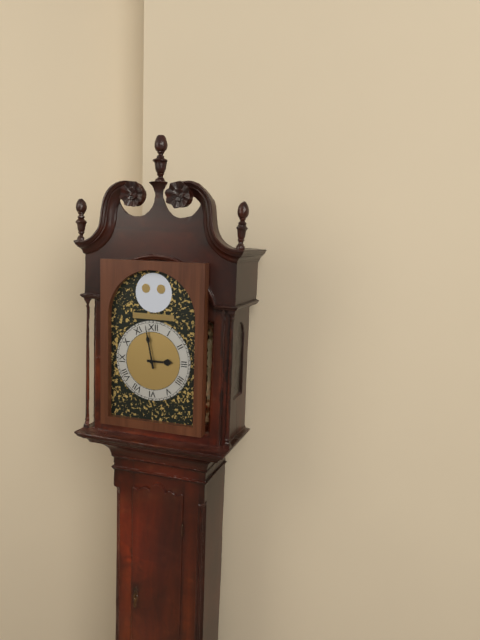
2:58
